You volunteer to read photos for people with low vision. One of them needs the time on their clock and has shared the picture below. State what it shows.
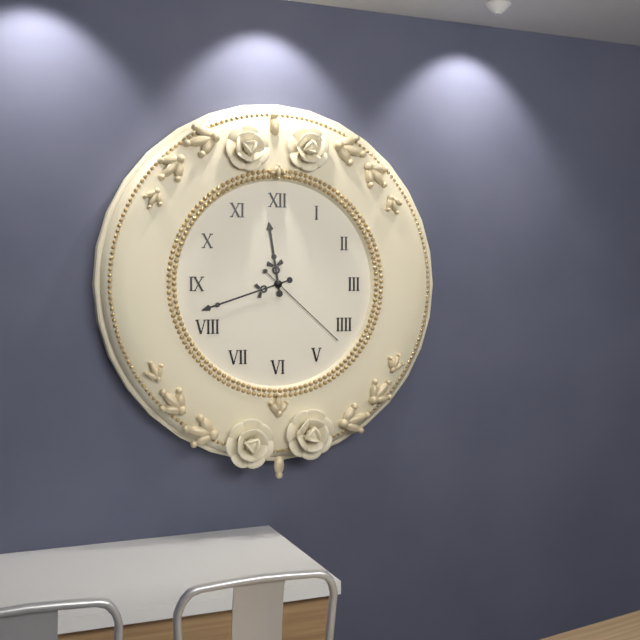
11:42:22
